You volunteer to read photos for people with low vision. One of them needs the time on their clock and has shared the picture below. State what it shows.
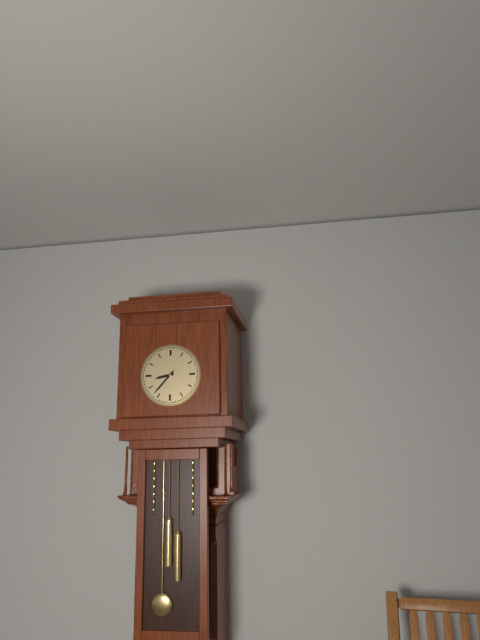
8:37
